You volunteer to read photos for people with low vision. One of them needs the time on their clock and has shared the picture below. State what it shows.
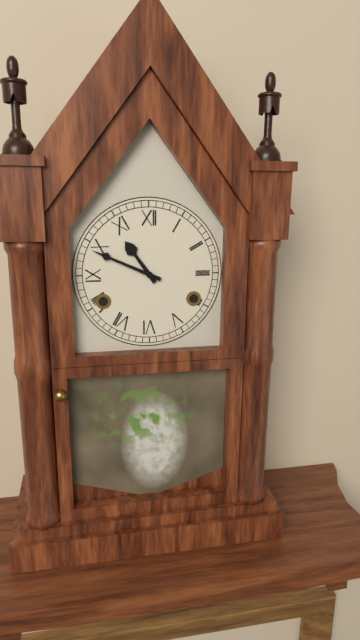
10:49
